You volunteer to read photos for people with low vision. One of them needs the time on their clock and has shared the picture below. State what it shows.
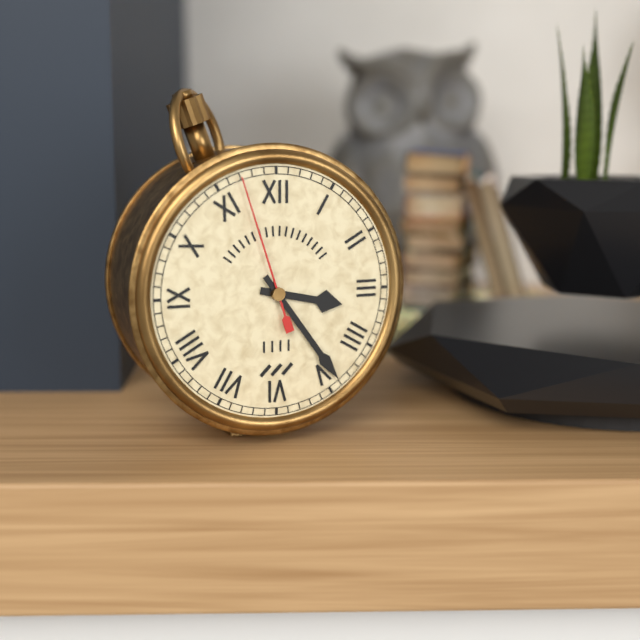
3:24:57
